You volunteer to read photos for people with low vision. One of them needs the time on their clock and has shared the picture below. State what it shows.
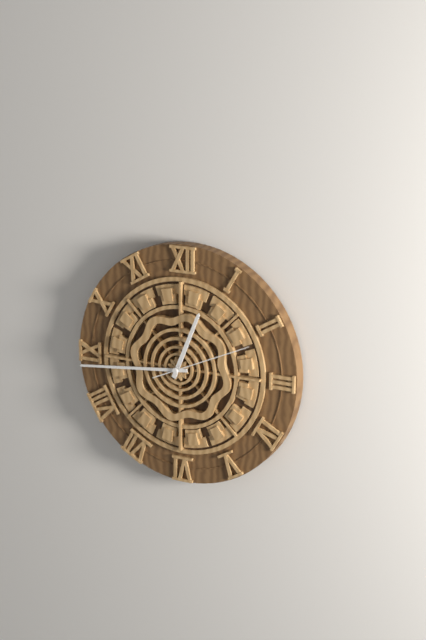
12:44:11
